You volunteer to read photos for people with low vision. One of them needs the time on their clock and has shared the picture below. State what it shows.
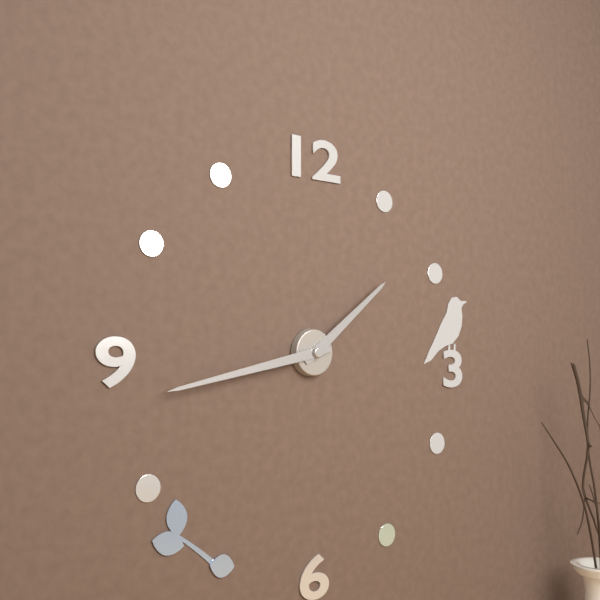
1:43
